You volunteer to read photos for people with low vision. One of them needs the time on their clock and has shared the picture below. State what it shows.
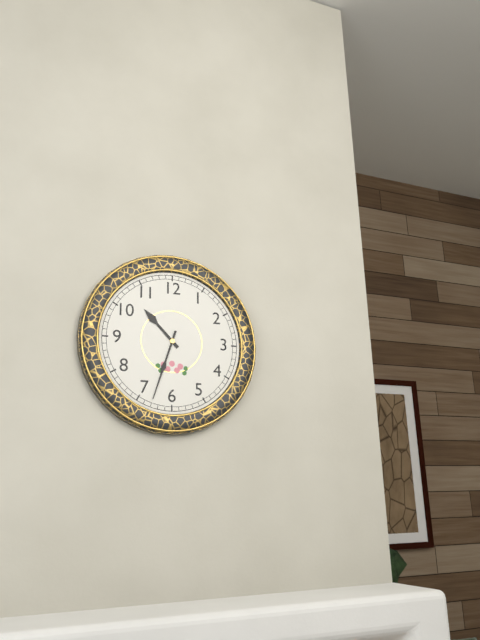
10:33
